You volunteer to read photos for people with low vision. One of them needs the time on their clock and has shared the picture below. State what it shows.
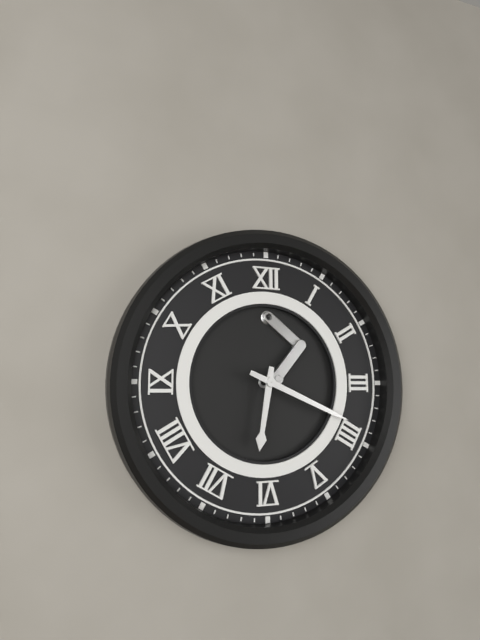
6:19
